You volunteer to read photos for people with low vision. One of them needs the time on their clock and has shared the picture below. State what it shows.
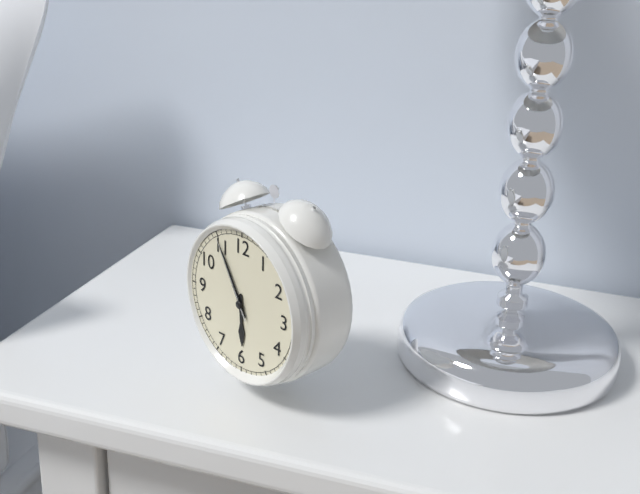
5:55:55
